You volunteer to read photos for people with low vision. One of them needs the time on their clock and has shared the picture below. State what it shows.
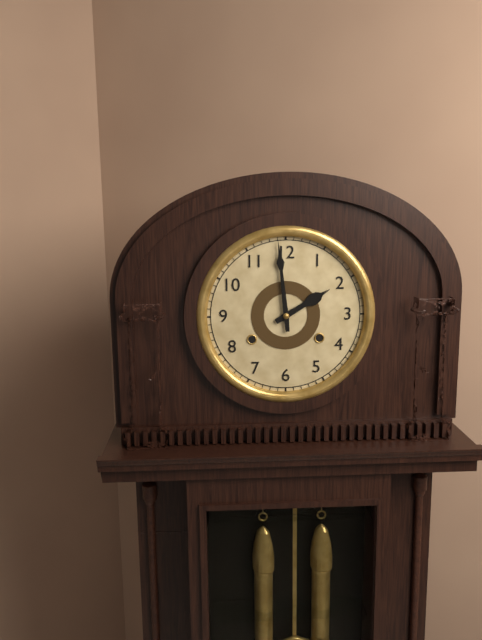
1:59
